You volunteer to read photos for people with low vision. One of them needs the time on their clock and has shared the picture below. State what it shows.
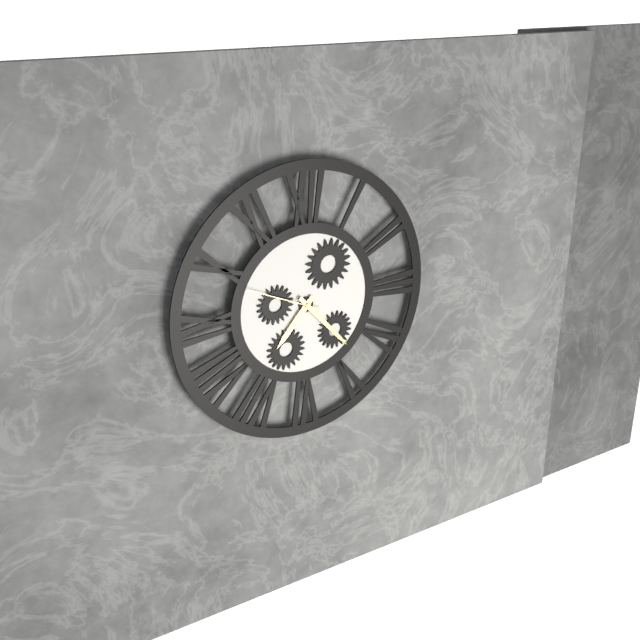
7:23:49
